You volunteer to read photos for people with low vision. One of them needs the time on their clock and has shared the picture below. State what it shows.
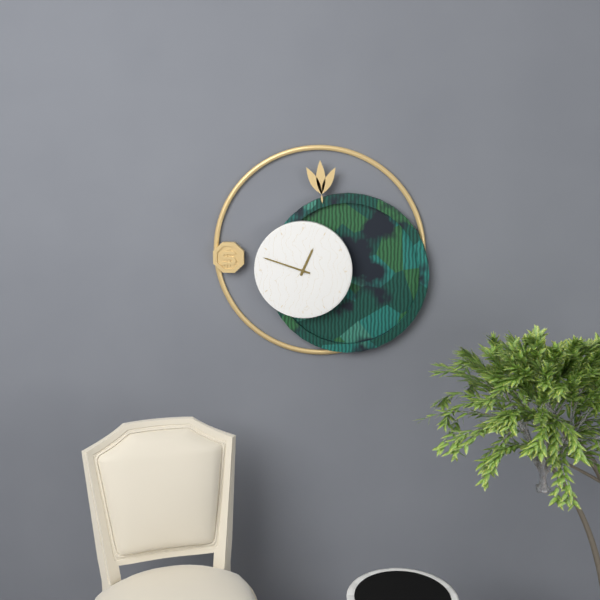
12:48
